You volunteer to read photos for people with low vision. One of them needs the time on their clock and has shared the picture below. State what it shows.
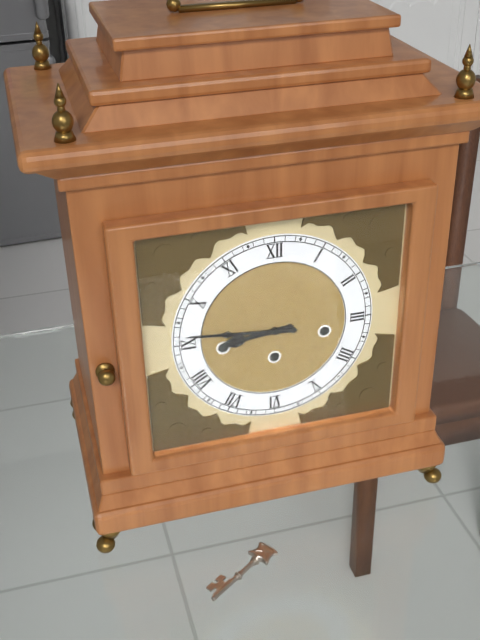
8:46
